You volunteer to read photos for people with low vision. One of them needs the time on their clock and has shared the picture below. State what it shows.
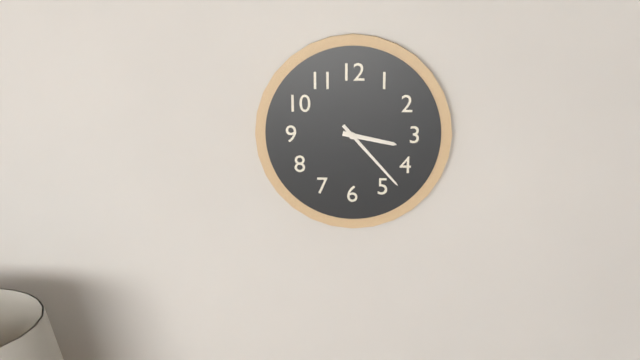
3:23
